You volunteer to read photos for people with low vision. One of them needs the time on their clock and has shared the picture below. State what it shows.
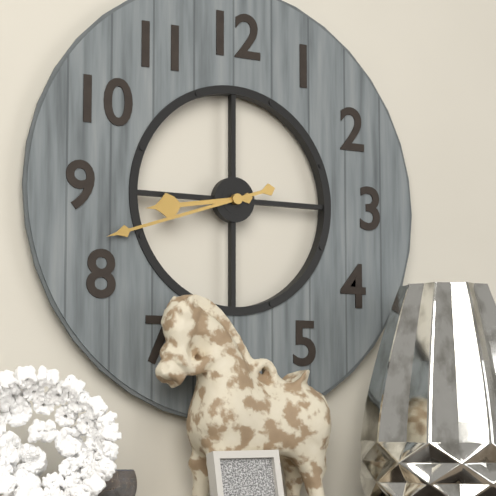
8:42
